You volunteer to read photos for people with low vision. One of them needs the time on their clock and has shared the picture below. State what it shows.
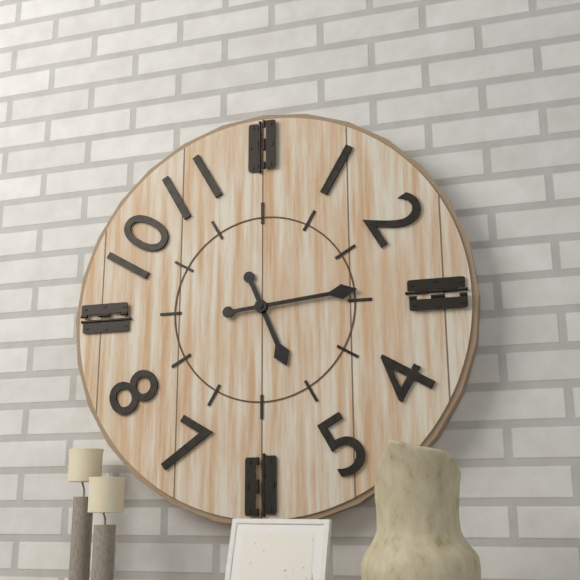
5:14
